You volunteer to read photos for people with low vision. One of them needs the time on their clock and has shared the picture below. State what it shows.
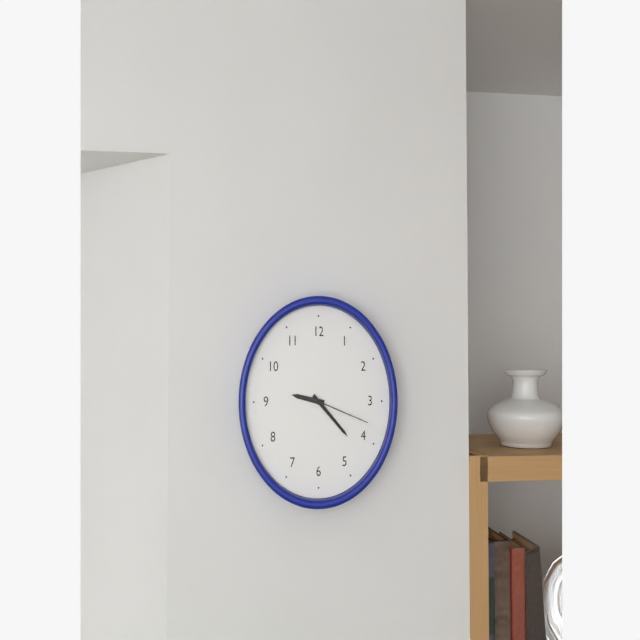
9:22:18
